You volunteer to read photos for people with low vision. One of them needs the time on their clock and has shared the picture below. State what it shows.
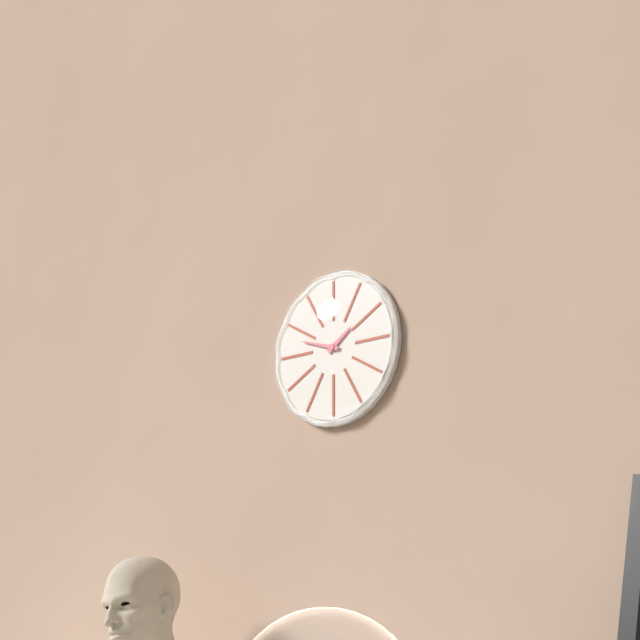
1:48
